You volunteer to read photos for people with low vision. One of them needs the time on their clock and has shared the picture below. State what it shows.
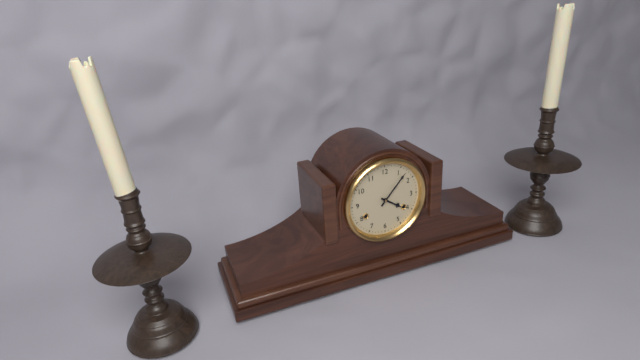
4:07
